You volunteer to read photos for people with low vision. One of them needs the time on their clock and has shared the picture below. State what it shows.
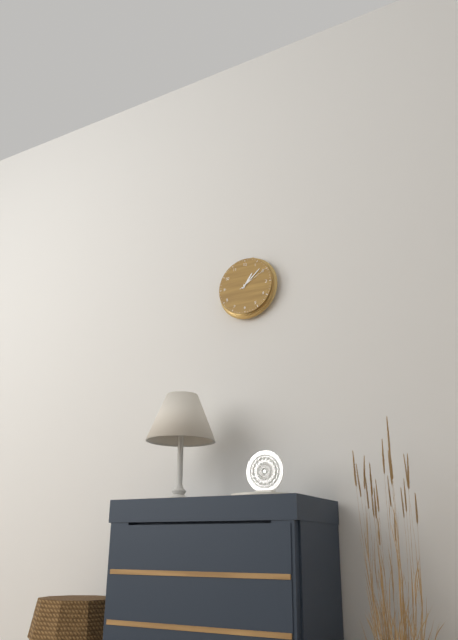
1:08
